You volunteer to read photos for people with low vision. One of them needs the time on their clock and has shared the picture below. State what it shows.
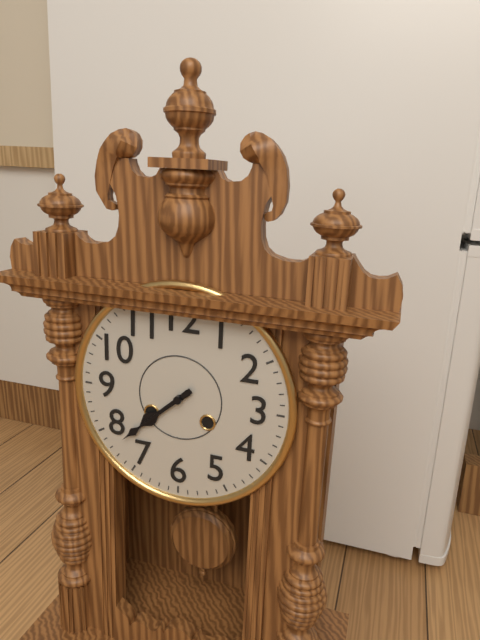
7:38
